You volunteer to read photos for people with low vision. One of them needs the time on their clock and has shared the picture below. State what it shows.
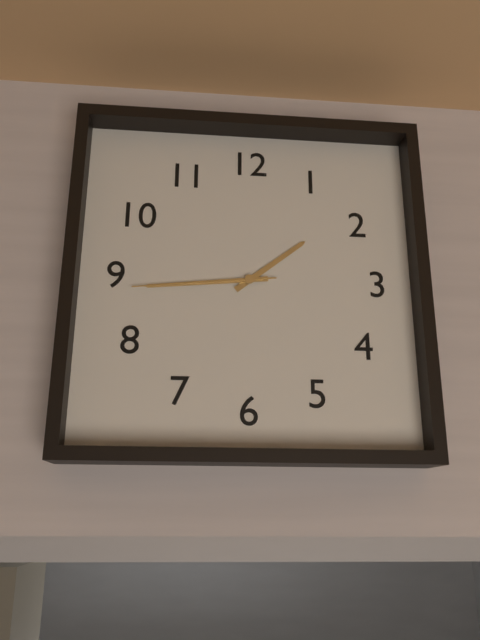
1:44:44
